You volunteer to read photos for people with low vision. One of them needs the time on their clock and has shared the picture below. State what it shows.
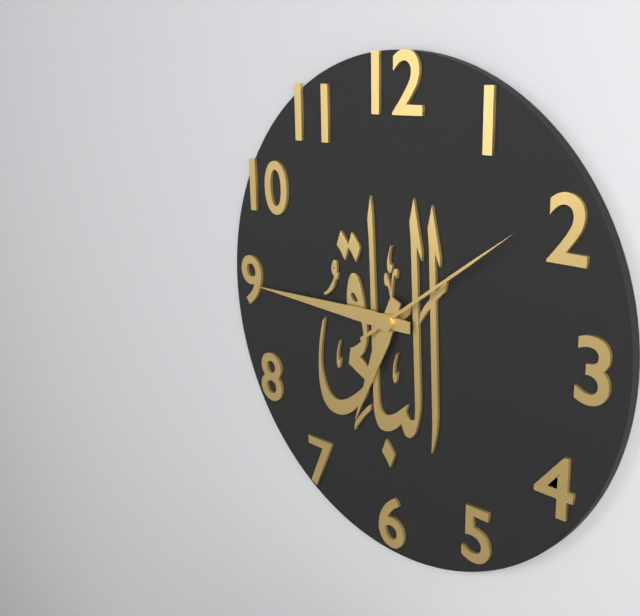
6:45:09
